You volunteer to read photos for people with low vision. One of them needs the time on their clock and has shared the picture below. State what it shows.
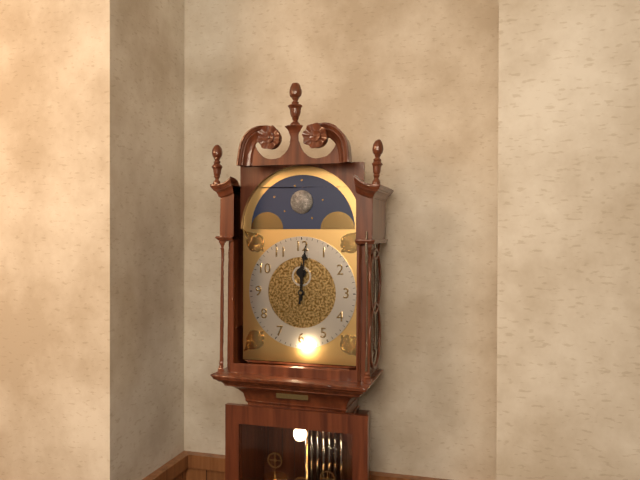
12:01
